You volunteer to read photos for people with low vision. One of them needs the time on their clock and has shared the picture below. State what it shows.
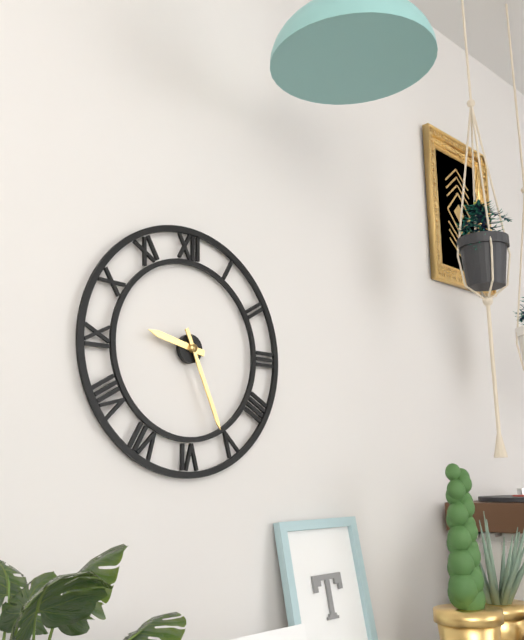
9:26
